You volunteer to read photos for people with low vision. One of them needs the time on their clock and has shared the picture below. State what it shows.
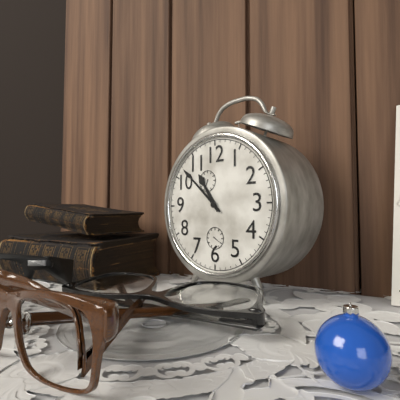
10:52
